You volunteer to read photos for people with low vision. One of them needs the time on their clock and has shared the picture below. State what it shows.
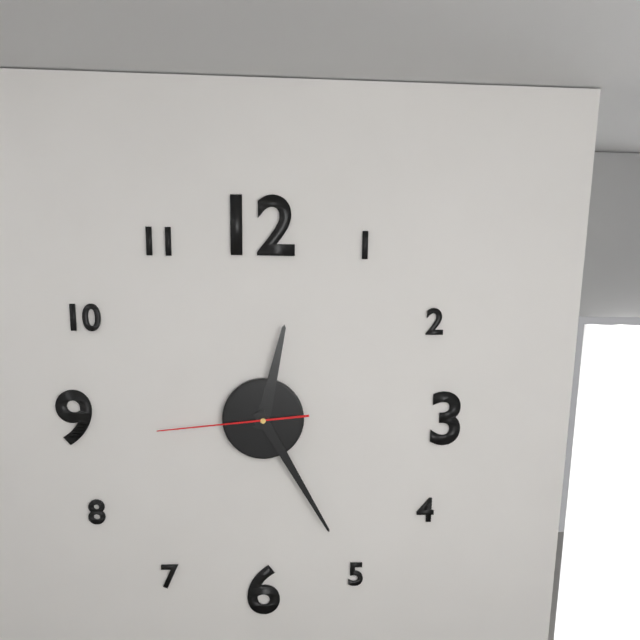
12:25:44
